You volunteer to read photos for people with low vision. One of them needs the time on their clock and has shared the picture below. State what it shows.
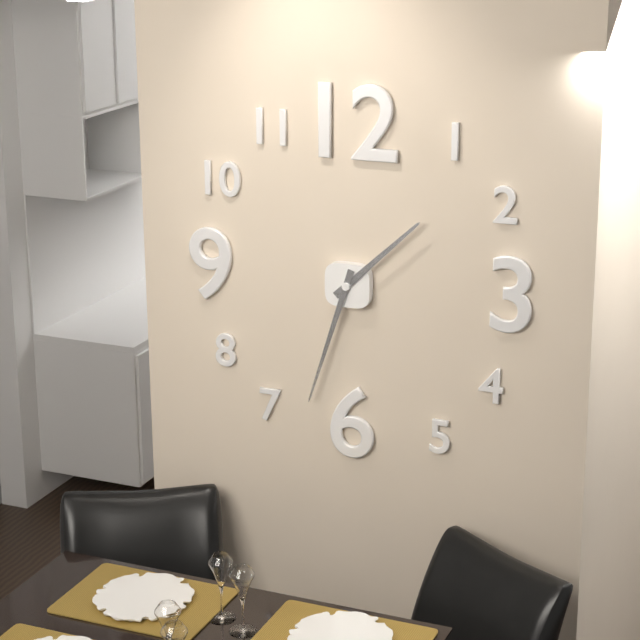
1:33
